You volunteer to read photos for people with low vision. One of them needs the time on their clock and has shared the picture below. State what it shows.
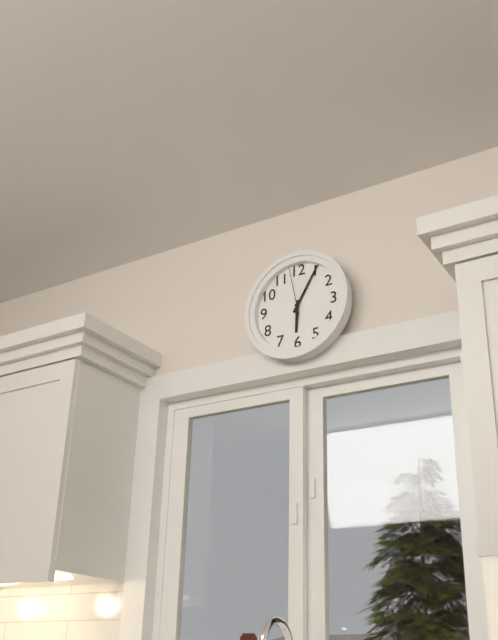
6:05
